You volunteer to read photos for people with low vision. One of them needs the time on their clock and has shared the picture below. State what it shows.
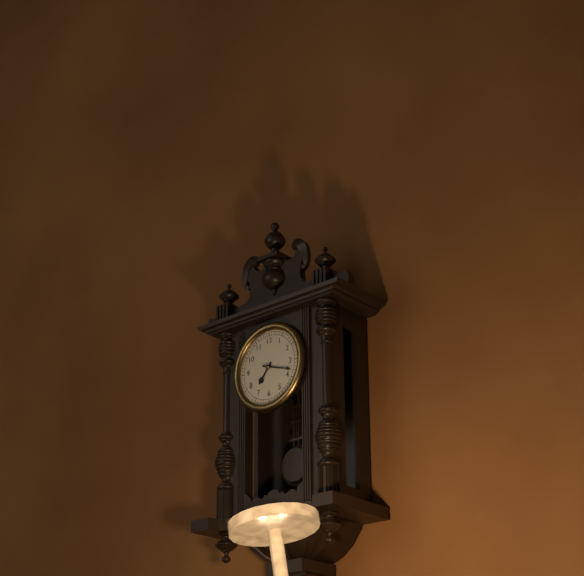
7:18
